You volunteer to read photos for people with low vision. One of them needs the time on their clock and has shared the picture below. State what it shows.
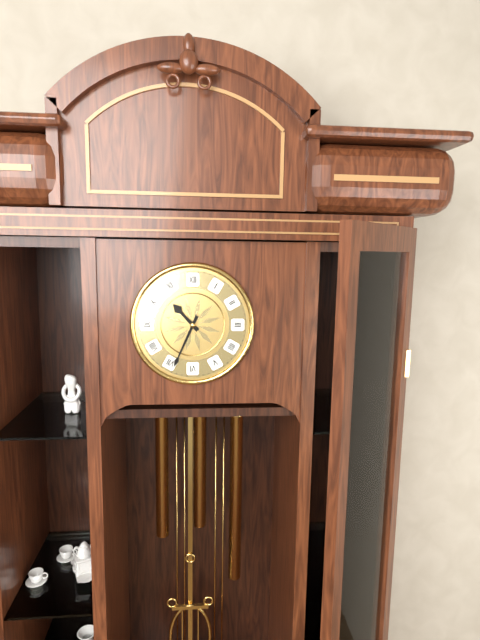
10:34
